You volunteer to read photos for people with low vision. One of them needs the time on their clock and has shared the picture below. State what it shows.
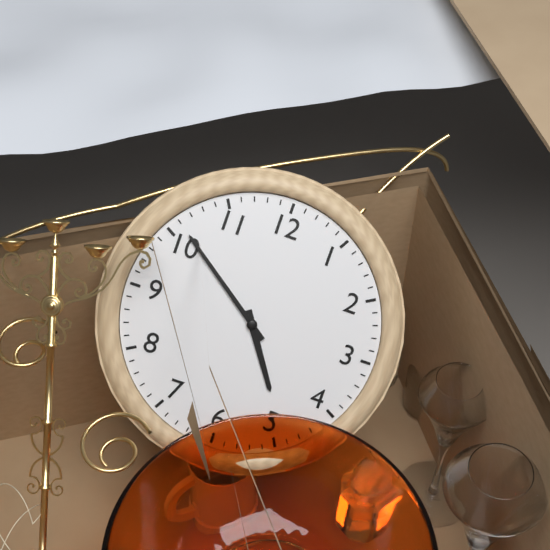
4:51
